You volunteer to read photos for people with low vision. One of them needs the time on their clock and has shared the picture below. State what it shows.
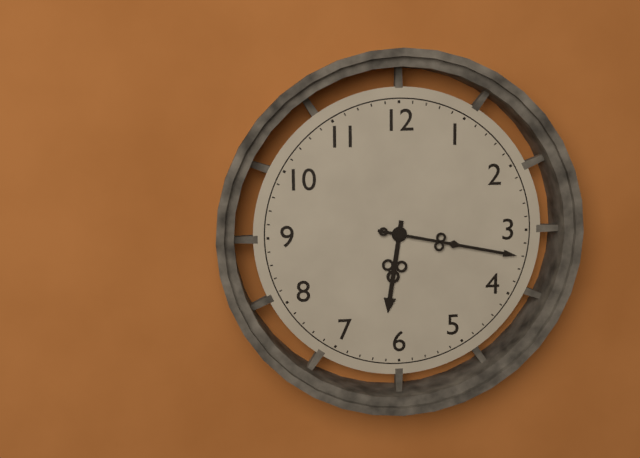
6:17
